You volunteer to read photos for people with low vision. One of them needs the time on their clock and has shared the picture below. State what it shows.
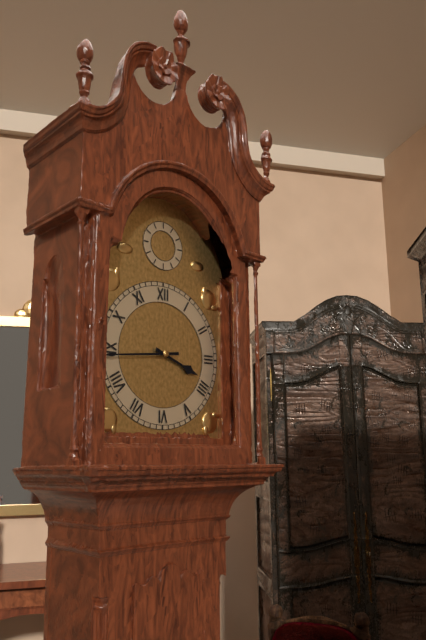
3:44
